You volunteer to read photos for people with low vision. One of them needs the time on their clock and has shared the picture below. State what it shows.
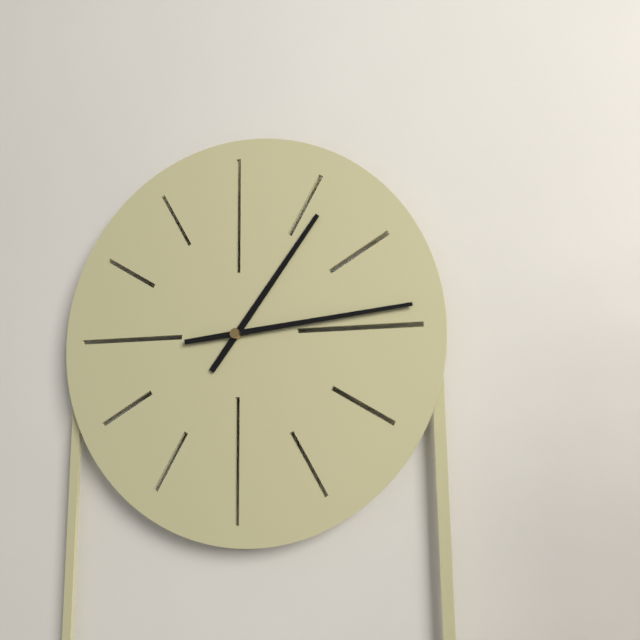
1:14
